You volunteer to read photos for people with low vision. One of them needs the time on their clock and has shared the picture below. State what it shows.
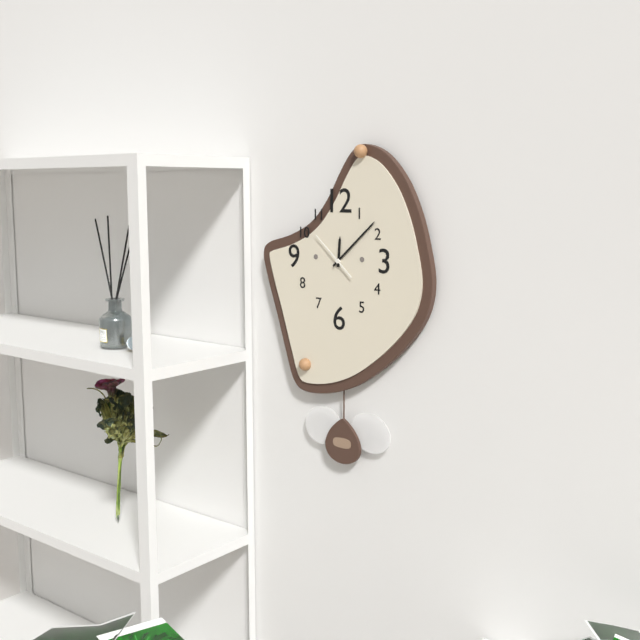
12:08
